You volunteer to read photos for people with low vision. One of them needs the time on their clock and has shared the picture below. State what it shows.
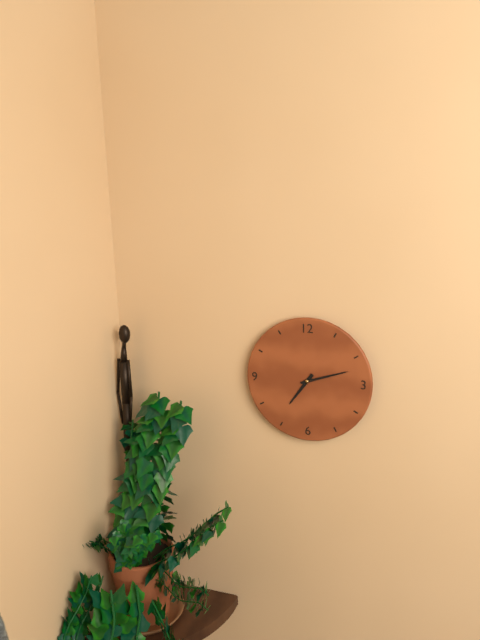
7:12
